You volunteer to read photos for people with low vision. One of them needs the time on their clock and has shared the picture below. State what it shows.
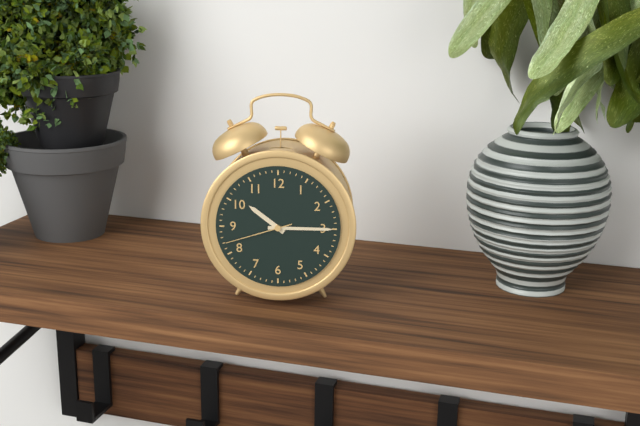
10:15:42
